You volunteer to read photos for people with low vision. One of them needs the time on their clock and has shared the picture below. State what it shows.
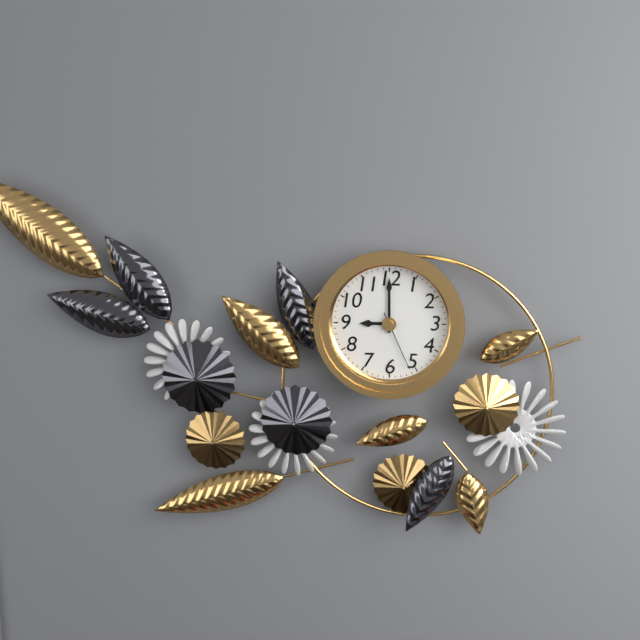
9:00:26
